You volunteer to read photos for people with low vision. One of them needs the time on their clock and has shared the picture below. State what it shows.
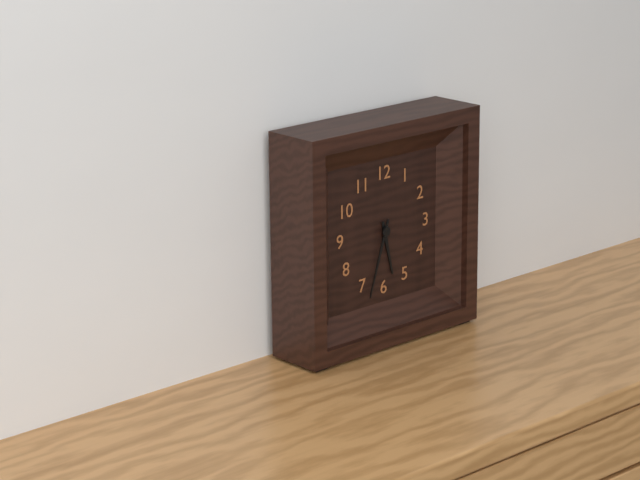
5:33
